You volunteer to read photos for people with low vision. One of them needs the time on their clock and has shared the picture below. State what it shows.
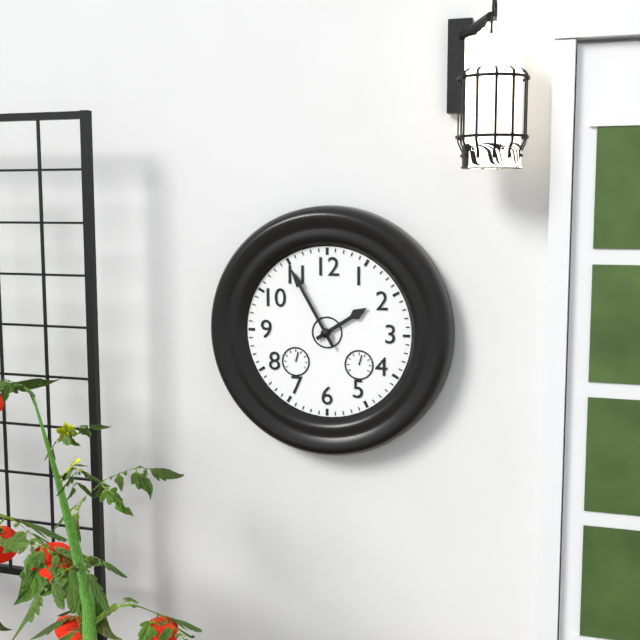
1:55
